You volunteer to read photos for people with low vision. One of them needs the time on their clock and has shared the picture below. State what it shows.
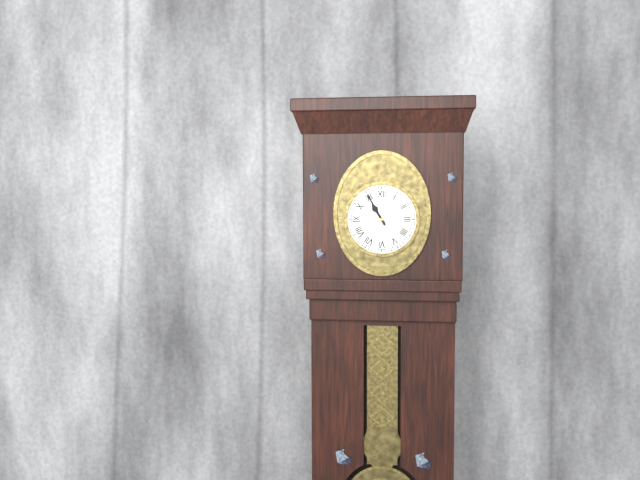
10:55
